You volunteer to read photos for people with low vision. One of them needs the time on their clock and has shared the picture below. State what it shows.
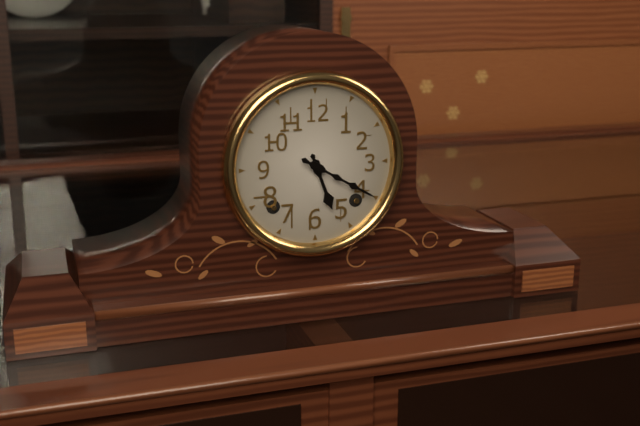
5:20
